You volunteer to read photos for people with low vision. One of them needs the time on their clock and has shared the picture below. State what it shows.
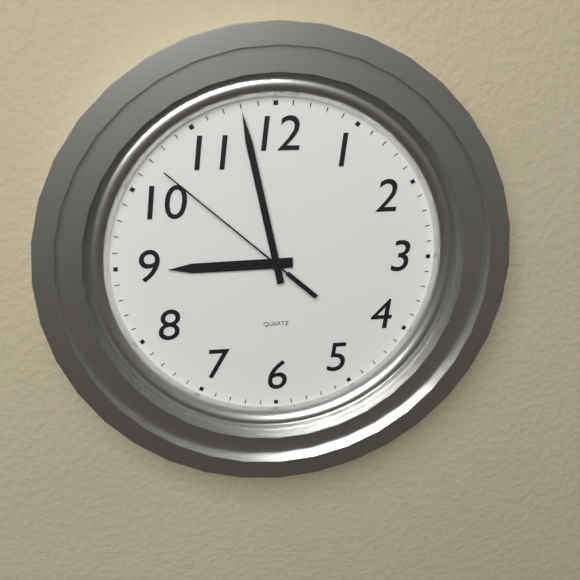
8:58:52
